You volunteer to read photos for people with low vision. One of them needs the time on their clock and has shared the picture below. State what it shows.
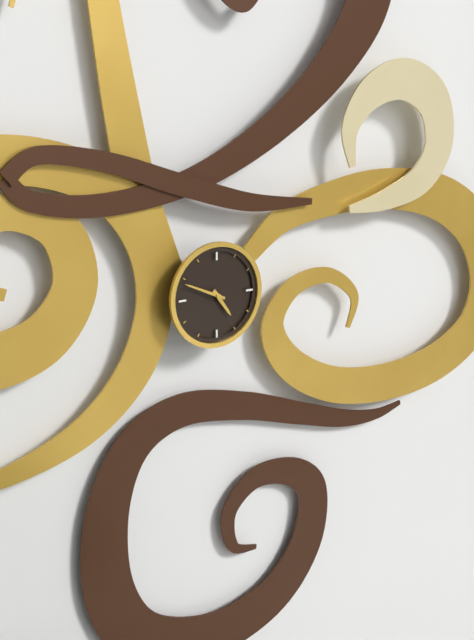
4:49
